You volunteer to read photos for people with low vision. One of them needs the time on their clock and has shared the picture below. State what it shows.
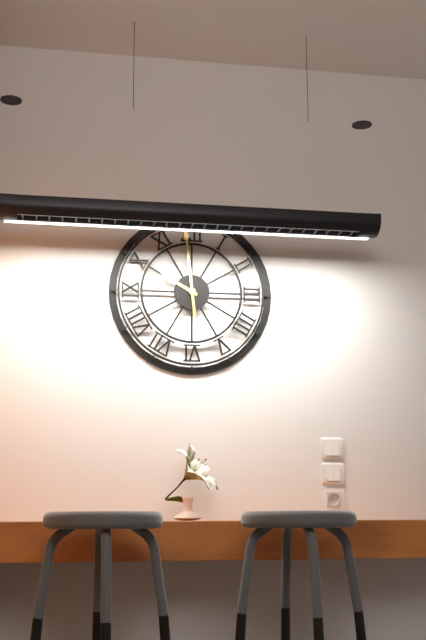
9:59
